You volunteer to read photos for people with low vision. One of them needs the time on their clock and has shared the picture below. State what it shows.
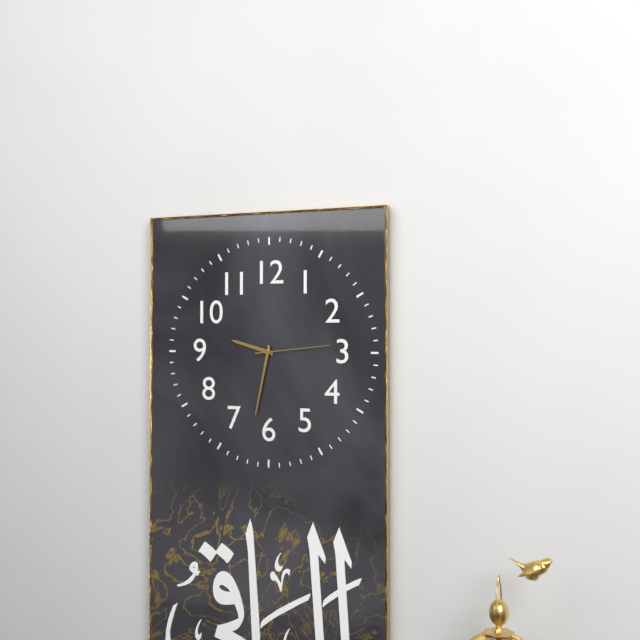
9:32:14
